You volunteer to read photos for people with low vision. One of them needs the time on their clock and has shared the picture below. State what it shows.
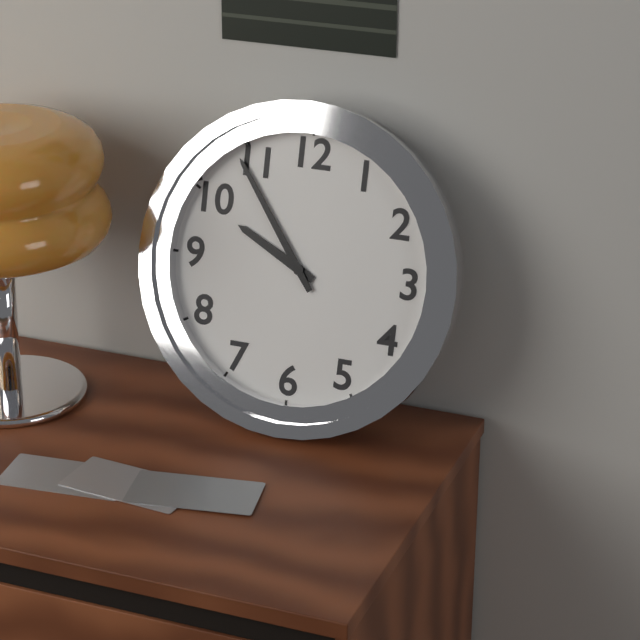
9:54
